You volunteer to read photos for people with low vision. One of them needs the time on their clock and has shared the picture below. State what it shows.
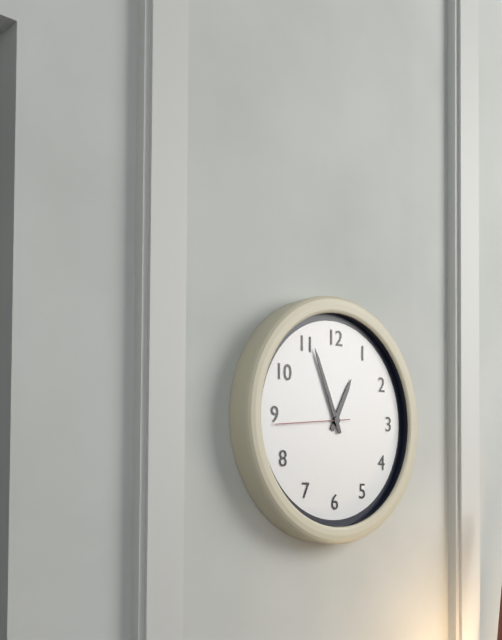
12:56:44
